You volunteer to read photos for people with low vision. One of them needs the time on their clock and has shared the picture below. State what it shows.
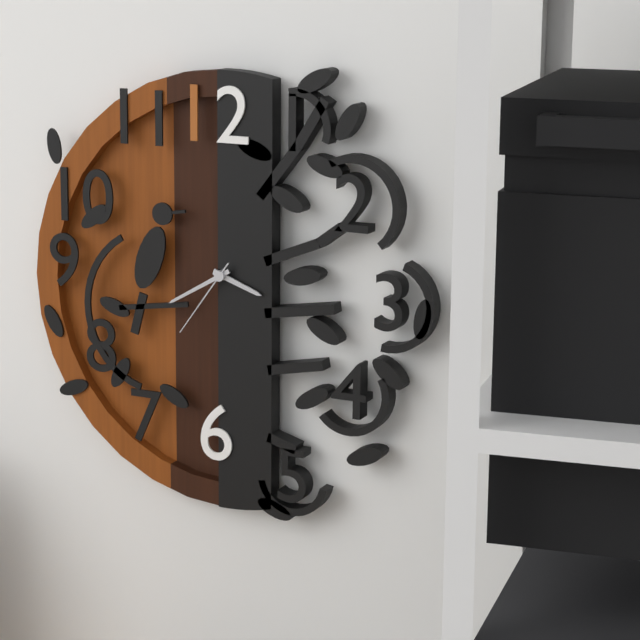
3:40:36
